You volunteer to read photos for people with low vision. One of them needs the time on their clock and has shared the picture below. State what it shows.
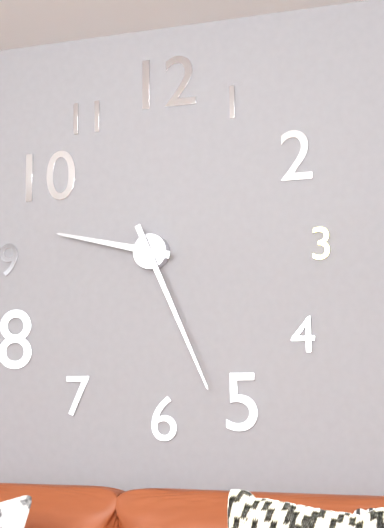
9:26
